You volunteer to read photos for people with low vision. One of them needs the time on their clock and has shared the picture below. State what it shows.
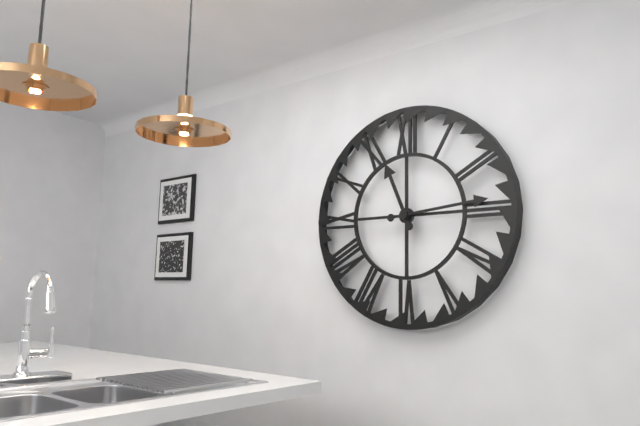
11:14
